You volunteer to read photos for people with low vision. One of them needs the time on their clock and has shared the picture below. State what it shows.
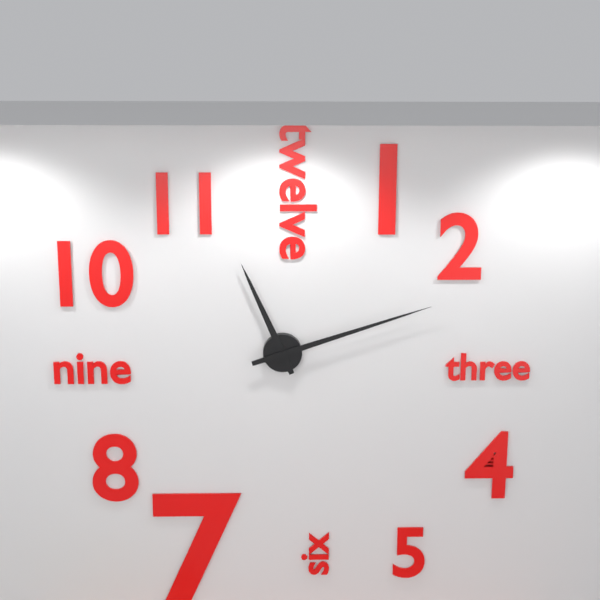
11:12
